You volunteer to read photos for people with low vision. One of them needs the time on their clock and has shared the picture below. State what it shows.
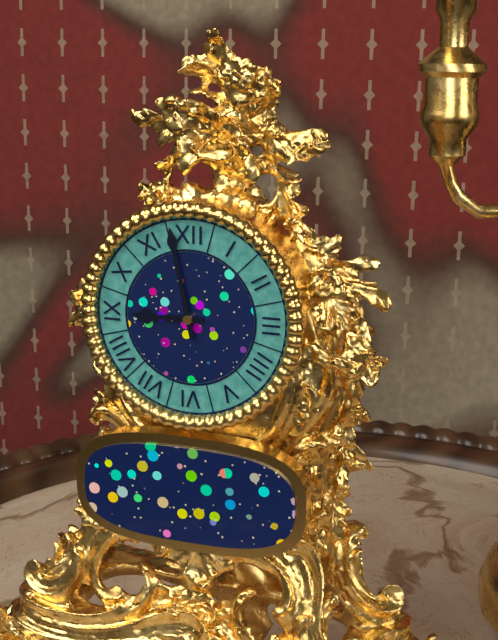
8:58
